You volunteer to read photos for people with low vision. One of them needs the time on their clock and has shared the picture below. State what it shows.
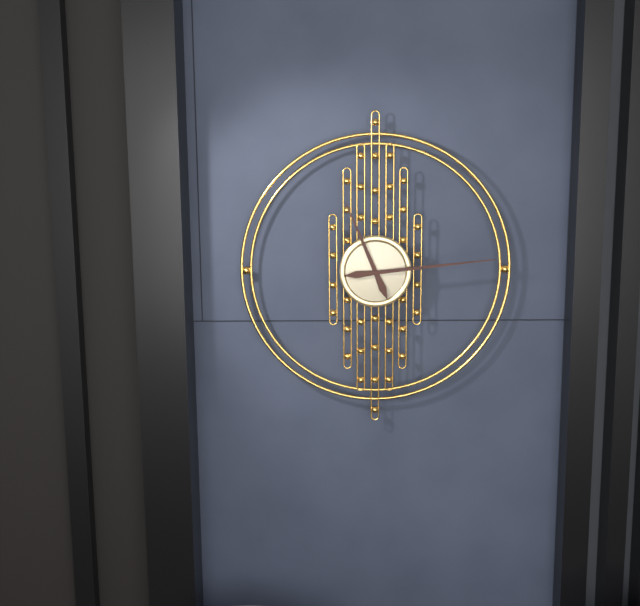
11:14
